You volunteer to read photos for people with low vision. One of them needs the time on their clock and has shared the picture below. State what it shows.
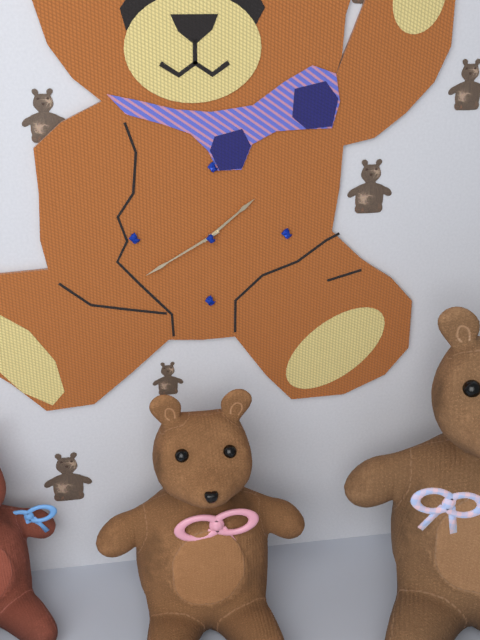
1:40
